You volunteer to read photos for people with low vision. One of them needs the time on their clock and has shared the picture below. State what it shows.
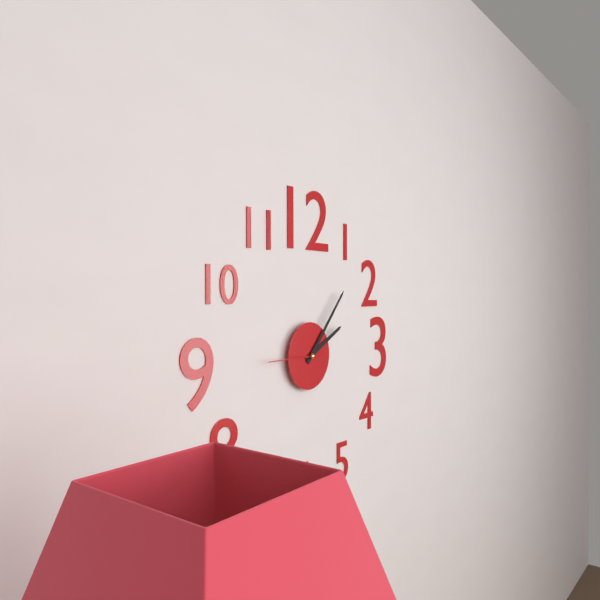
2:07:45
